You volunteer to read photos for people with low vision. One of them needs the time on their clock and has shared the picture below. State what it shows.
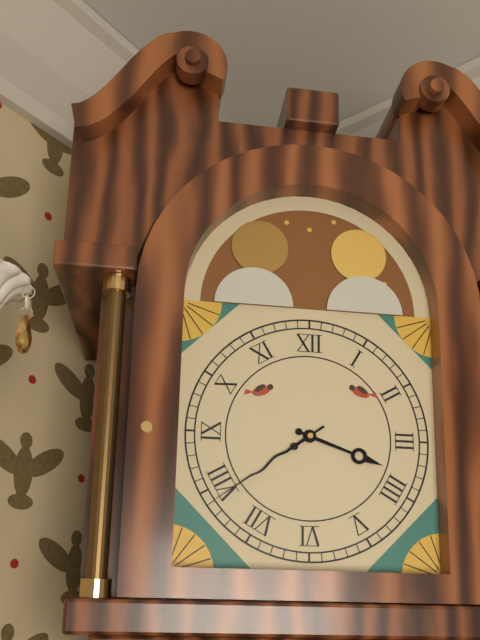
3:39
